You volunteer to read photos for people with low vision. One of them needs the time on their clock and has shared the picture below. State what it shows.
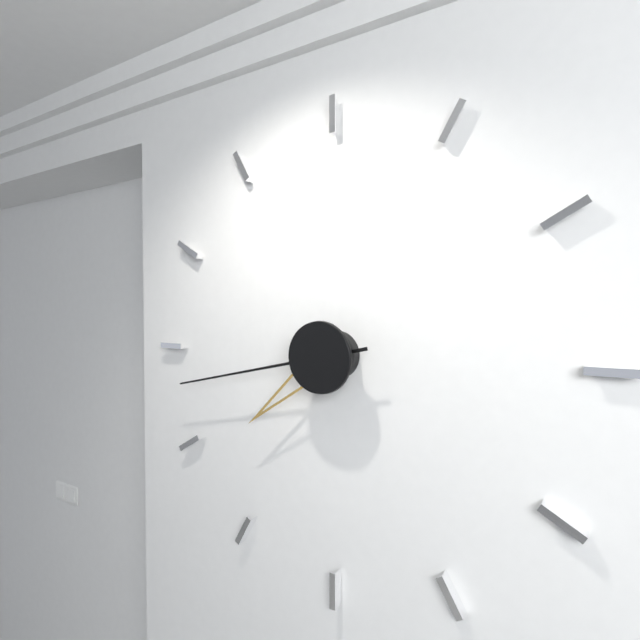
7:43
